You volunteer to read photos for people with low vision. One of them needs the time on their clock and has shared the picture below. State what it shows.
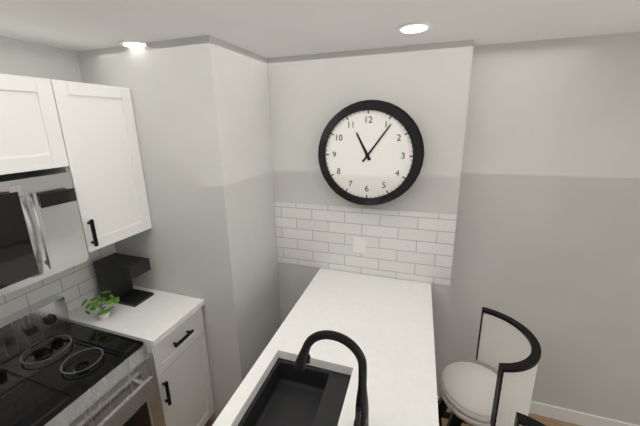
11:06
